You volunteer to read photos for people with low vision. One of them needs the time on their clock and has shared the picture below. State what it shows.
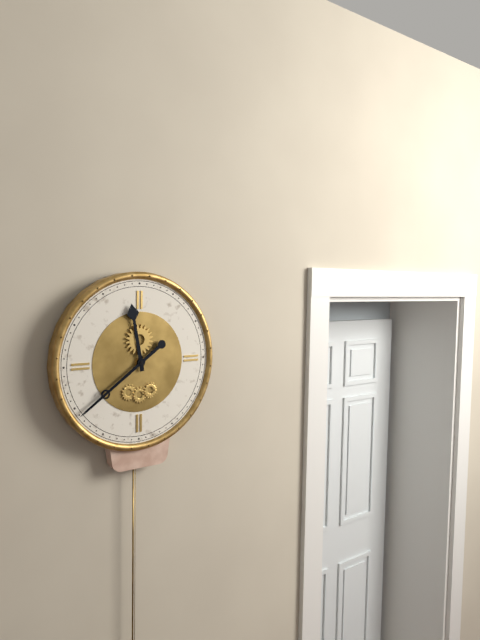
11:39
